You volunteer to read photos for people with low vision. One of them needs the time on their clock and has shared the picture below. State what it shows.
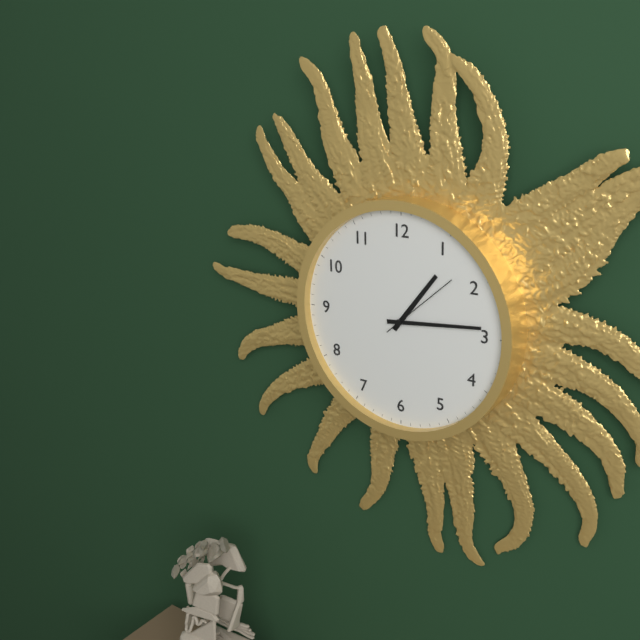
1:14:08
